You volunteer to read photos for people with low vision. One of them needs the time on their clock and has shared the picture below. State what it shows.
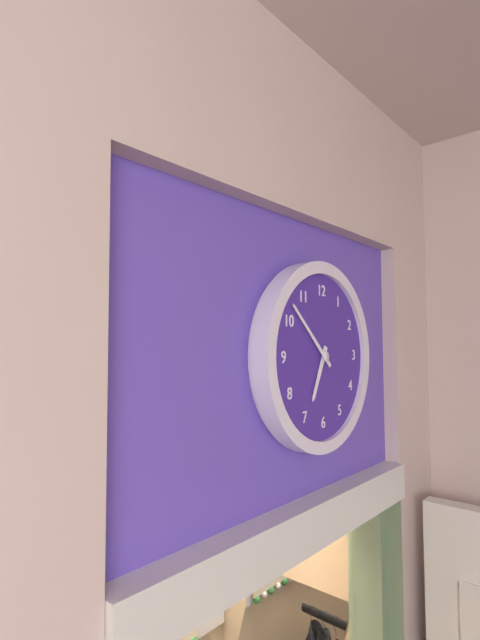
6:52
